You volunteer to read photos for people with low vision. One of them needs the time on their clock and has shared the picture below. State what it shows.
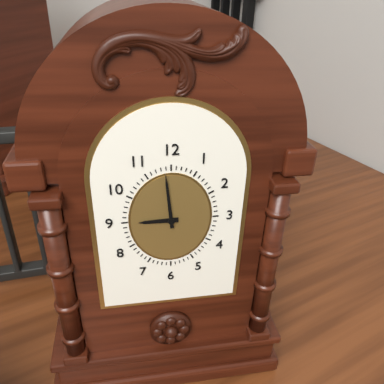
8:59
